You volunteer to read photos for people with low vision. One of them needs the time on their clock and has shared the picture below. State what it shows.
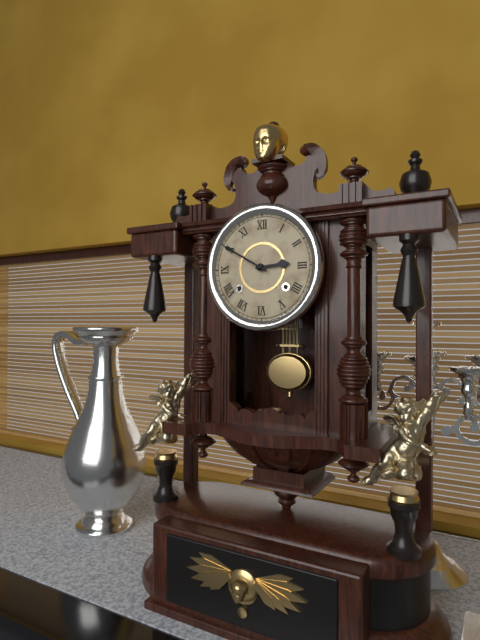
2:50
